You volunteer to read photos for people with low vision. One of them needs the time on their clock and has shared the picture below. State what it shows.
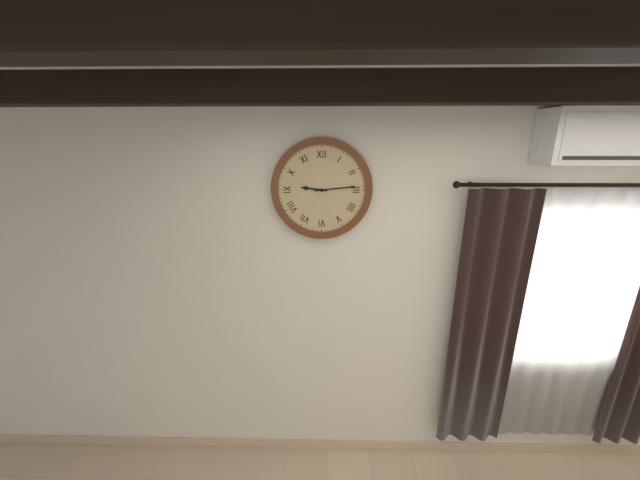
9:14
